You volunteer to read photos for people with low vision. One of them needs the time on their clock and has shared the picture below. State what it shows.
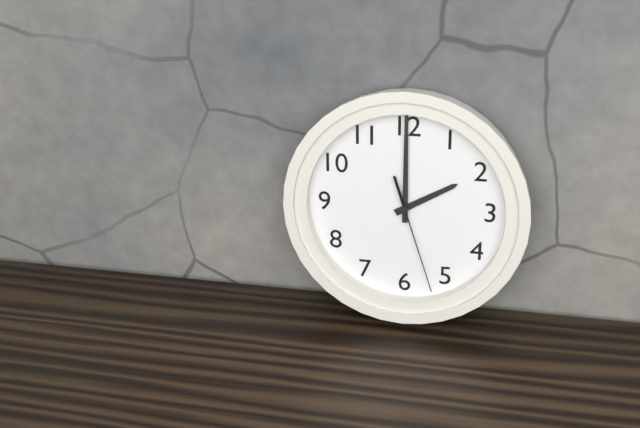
2:00:27
